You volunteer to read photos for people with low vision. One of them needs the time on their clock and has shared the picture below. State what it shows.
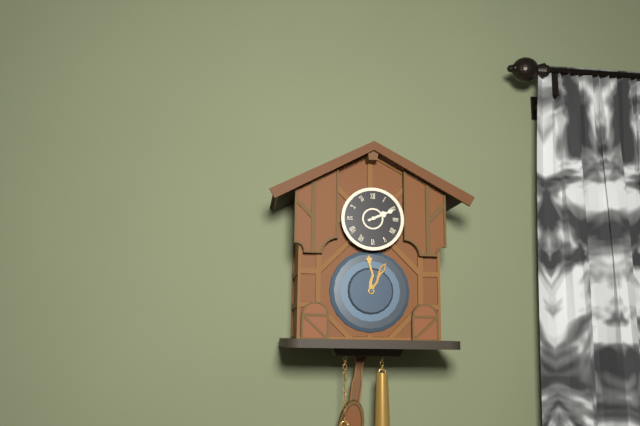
2:11
